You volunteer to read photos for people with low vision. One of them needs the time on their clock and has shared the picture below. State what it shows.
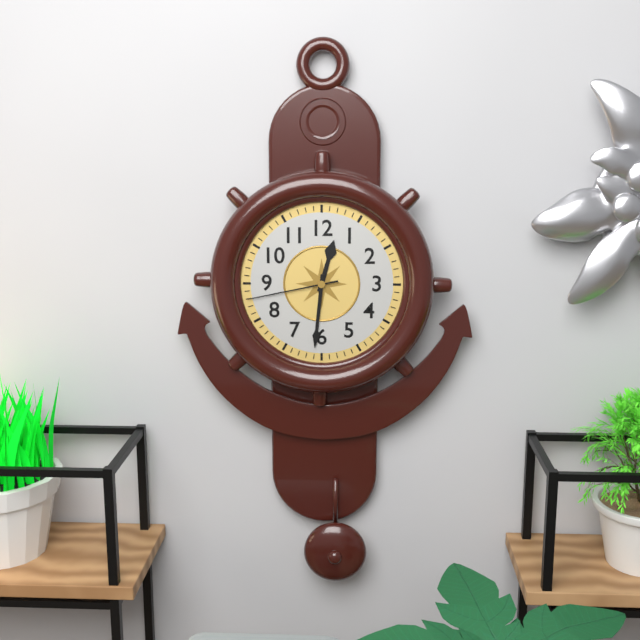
12:31:43
